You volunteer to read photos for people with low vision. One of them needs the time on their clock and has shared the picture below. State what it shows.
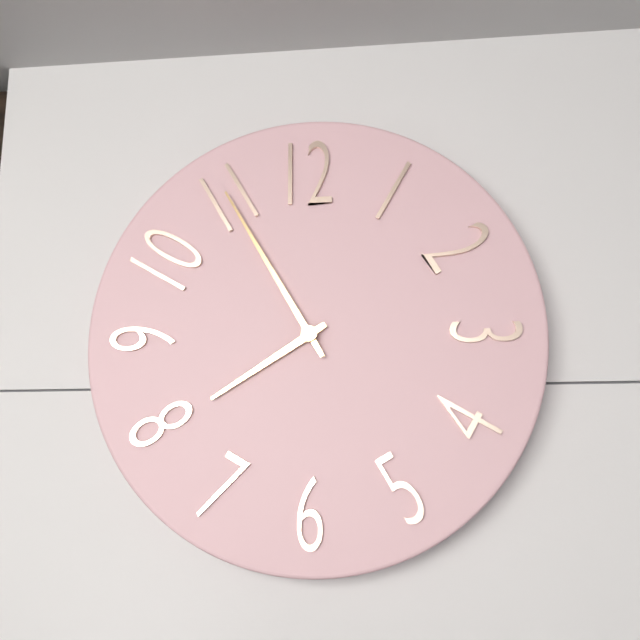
7:55
